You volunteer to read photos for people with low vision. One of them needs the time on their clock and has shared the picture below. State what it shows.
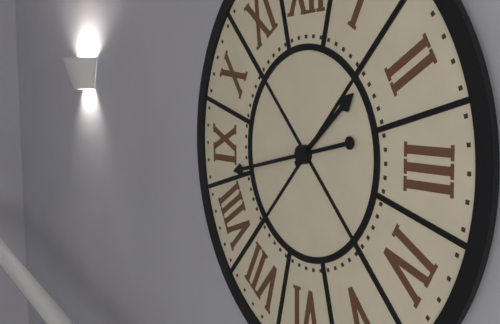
1:43
